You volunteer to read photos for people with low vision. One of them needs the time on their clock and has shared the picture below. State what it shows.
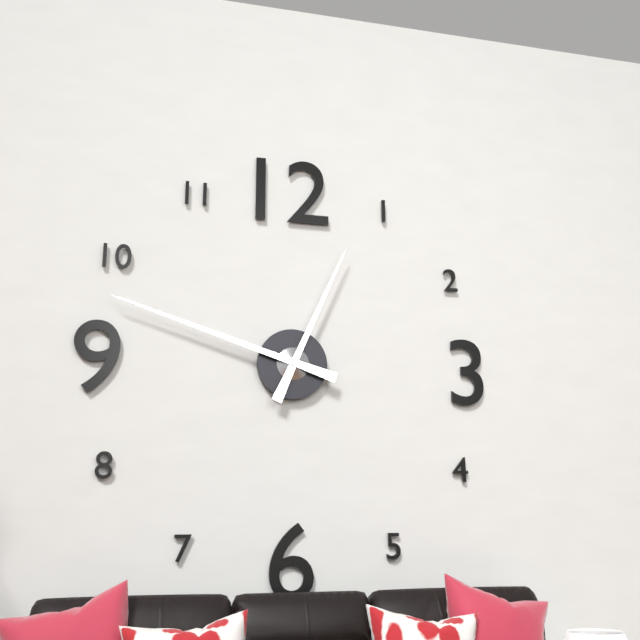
12:48
